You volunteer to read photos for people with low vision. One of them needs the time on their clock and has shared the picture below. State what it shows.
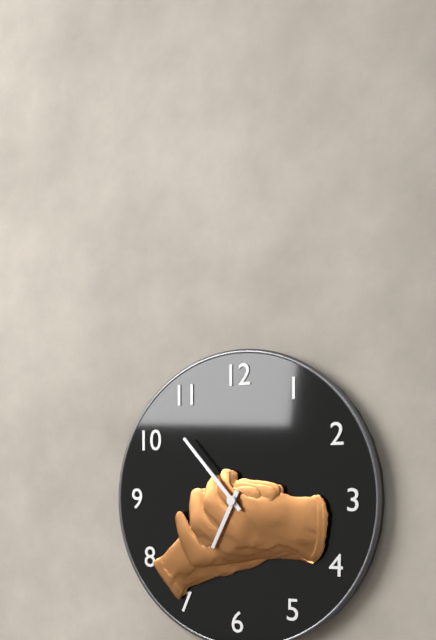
6:53
